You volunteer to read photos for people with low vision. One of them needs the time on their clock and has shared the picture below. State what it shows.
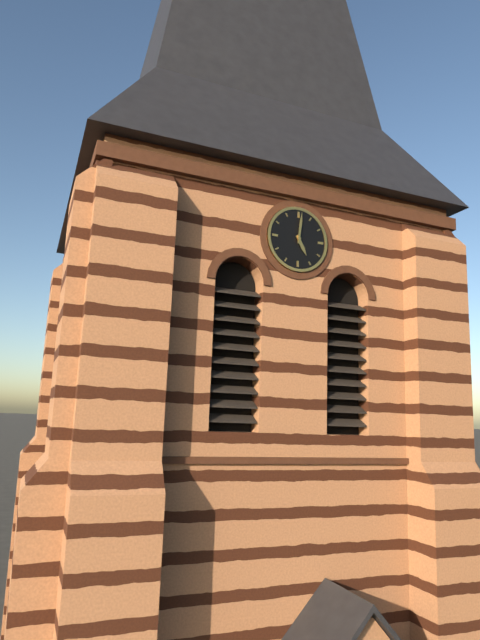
5:01
